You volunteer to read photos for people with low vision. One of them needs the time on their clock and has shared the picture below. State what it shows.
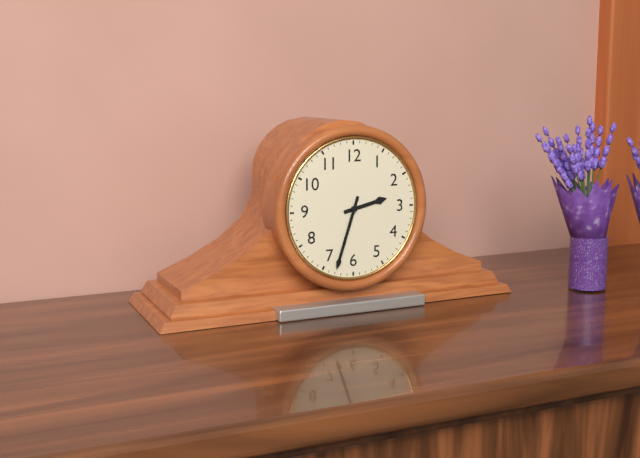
2:33
